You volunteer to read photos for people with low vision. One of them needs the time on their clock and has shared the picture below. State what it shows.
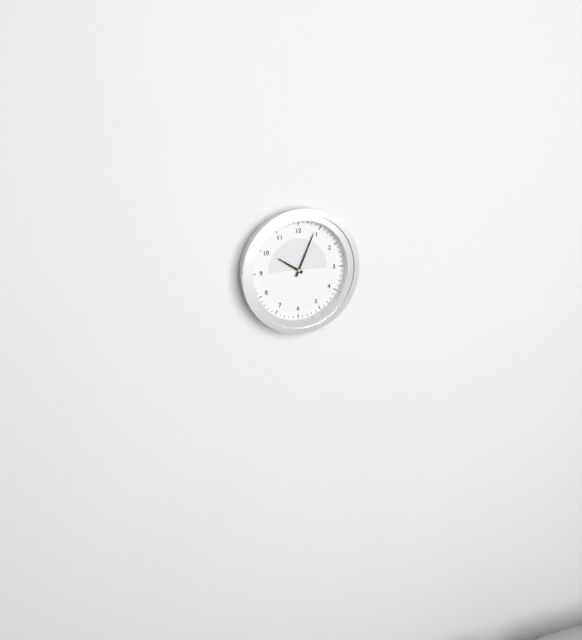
10:04
